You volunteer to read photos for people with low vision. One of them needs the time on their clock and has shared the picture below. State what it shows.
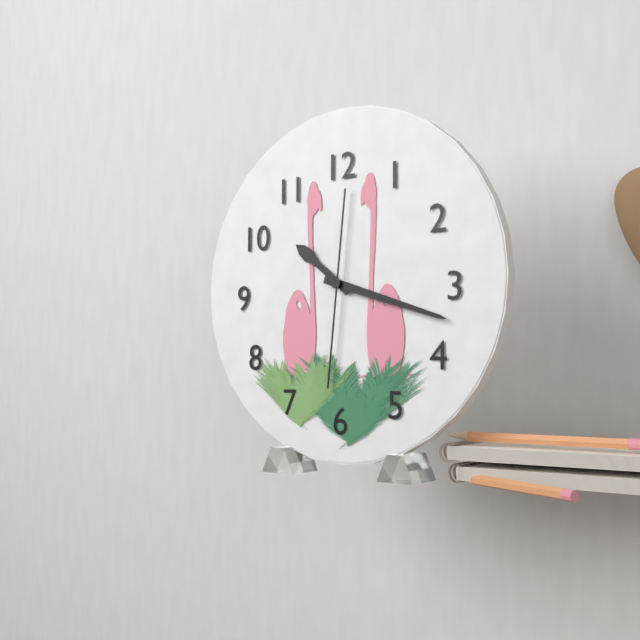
10:18:31
